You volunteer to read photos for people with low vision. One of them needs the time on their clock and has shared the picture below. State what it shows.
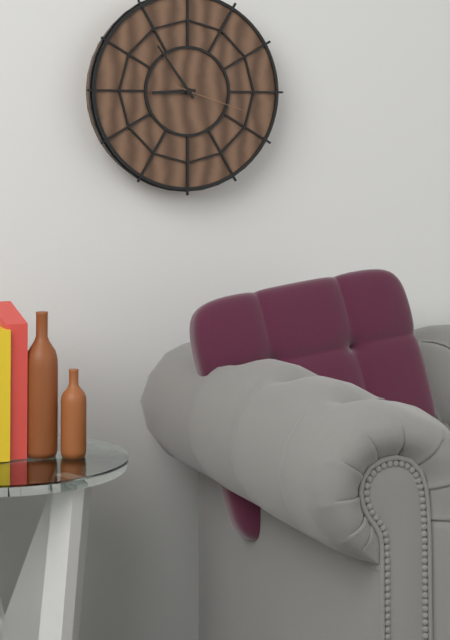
8:54:18
